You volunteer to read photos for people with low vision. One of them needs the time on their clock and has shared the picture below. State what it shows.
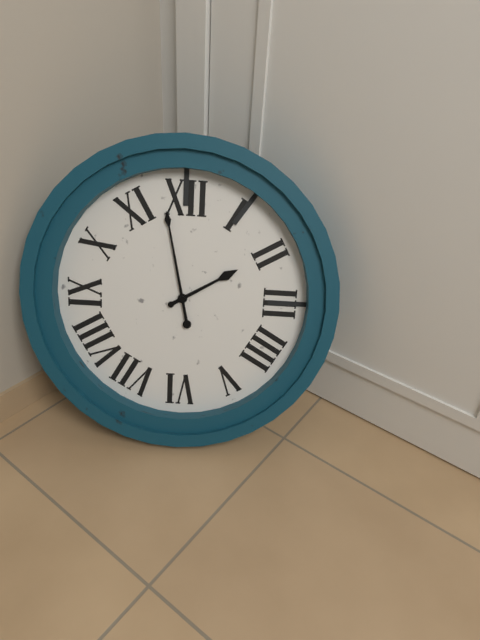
1:58
